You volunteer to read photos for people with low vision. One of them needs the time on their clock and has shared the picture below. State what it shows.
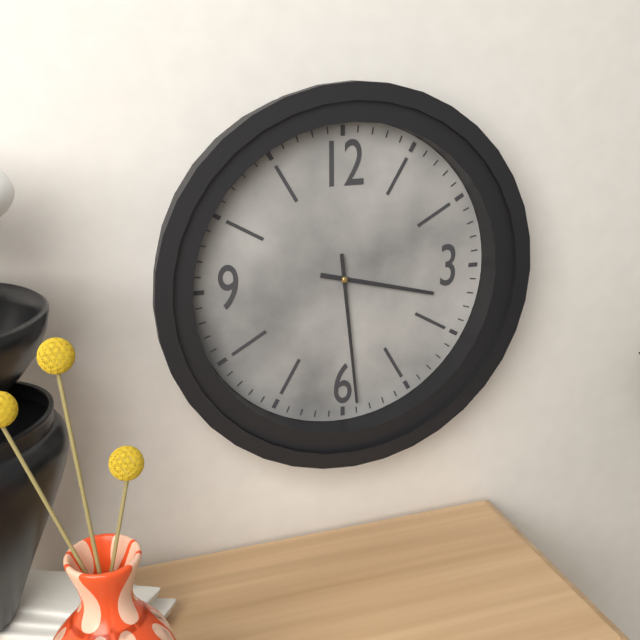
3:29
